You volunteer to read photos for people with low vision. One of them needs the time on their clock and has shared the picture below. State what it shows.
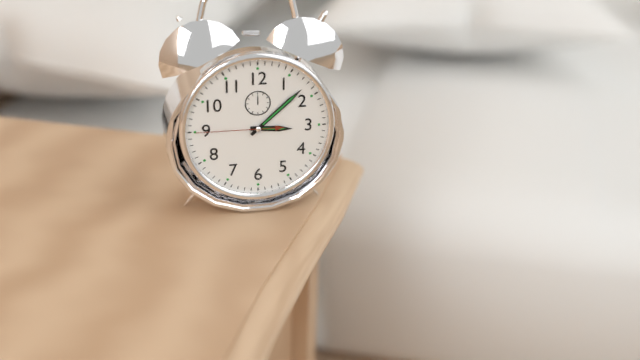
3:08:45
